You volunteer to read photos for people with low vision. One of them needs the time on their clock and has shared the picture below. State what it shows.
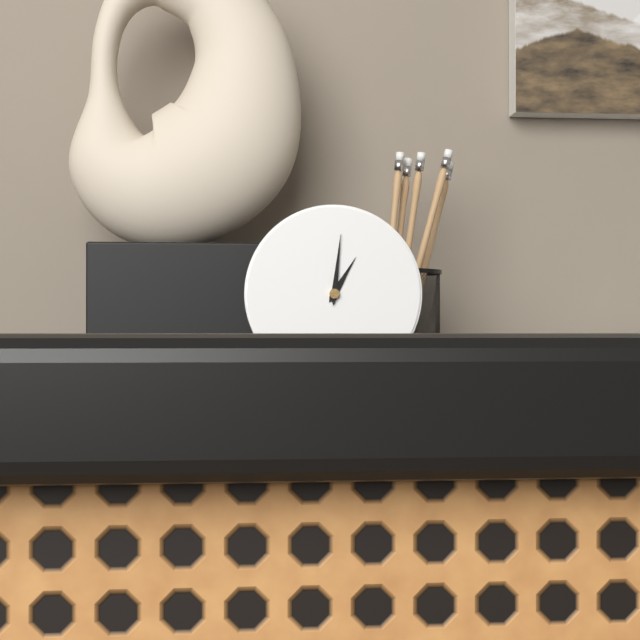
1:01
